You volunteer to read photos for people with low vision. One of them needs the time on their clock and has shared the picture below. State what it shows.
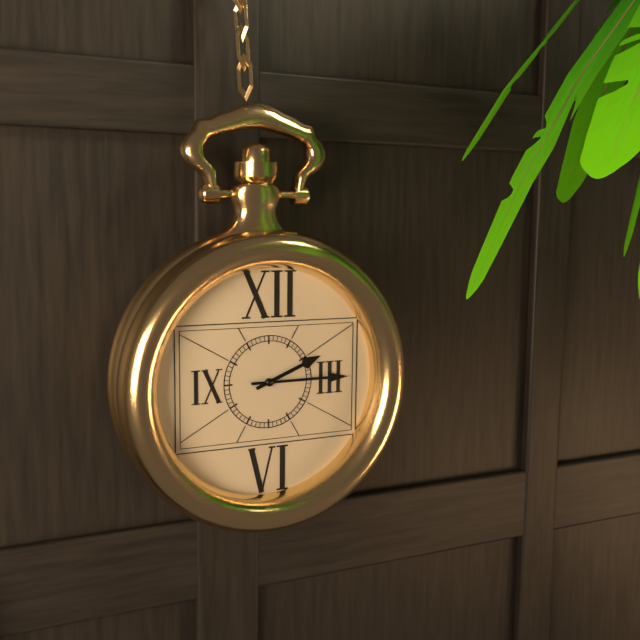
2:15
